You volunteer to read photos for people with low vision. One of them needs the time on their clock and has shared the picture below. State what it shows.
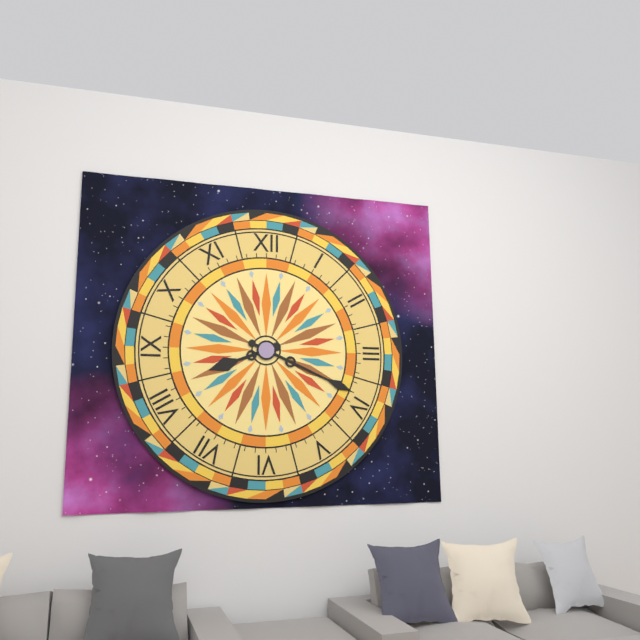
8:19
